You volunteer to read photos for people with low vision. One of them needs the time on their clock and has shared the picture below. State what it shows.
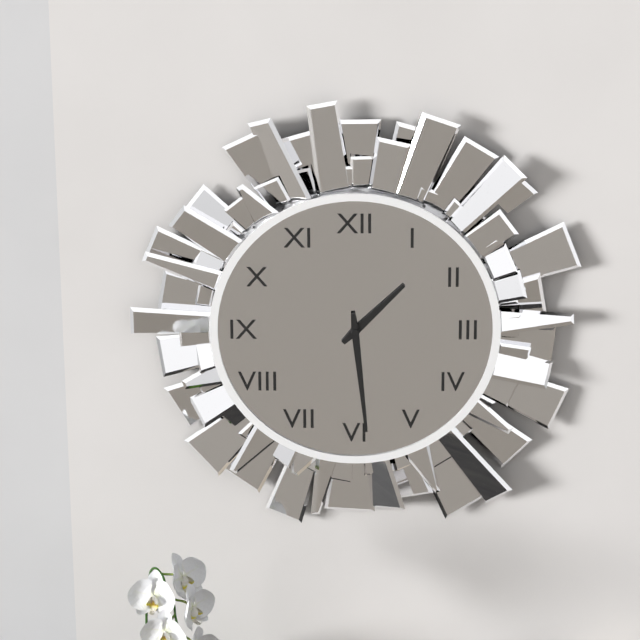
1:29
